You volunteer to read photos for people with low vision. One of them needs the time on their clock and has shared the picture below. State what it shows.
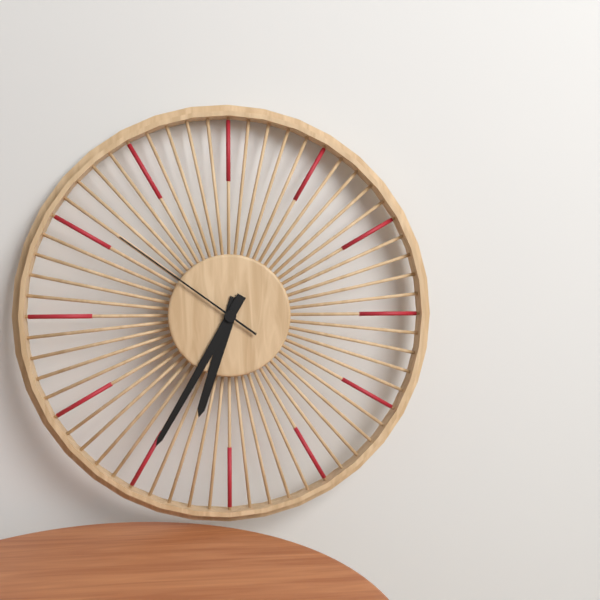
6:35:51
